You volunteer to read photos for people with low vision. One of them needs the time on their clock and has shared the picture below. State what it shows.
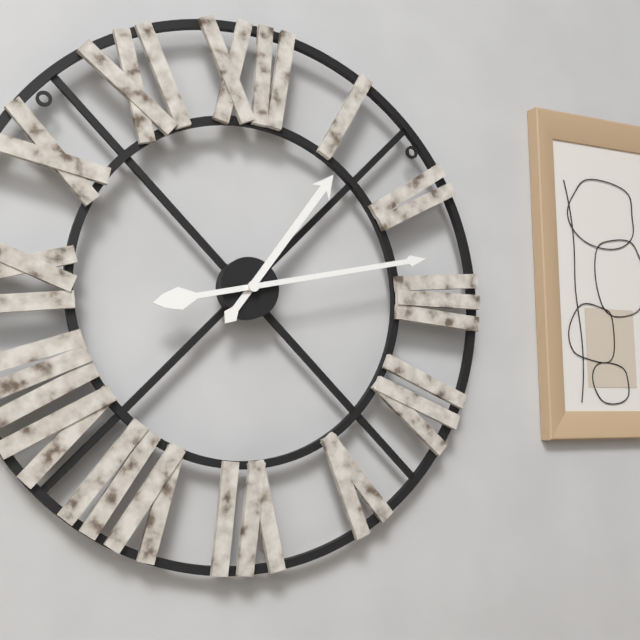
1:13
